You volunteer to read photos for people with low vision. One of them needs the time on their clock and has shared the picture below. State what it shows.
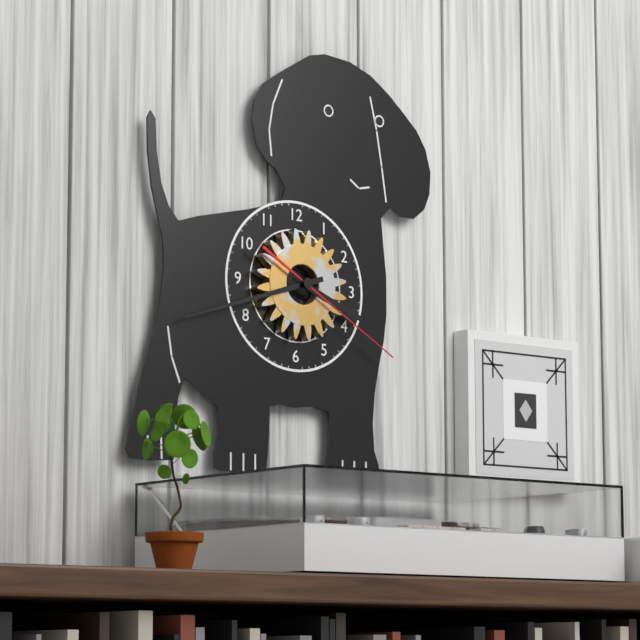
3:42:20
